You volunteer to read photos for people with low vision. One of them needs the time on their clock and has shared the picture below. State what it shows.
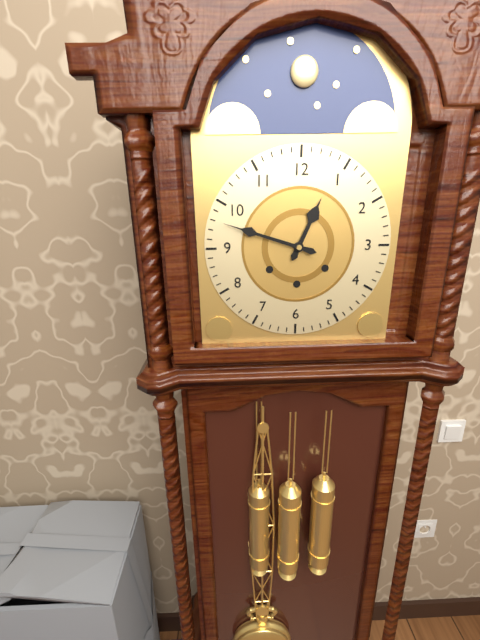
12:48
